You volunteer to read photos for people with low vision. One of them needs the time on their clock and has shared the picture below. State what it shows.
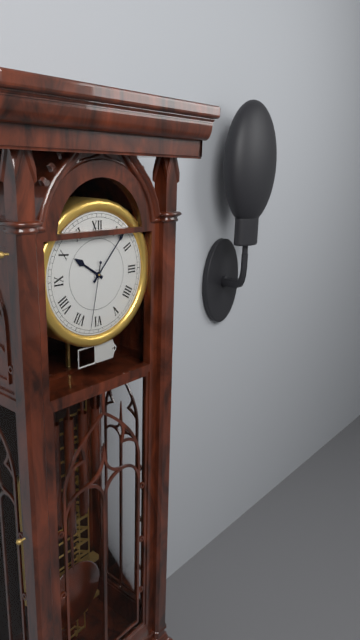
10:07:32
